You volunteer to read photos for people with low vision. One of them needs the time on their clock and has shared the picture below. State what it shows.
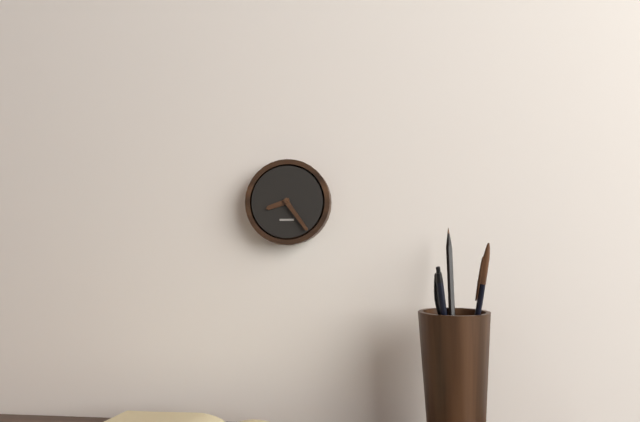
8:24
